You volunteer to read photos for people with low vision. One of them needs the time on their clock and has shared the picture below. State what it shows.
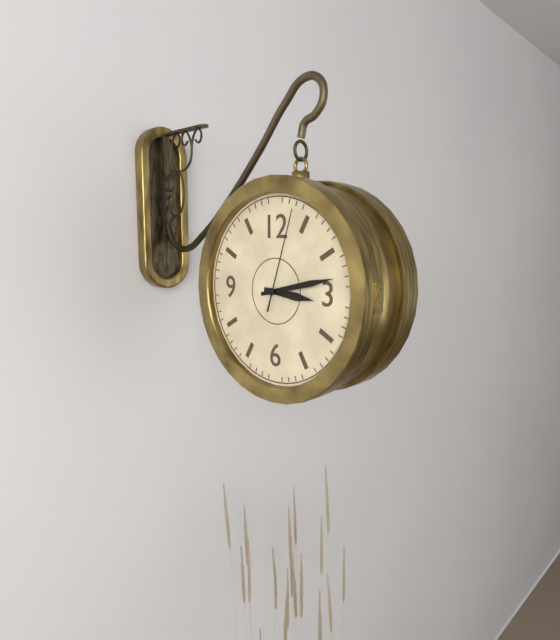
3:13:03
